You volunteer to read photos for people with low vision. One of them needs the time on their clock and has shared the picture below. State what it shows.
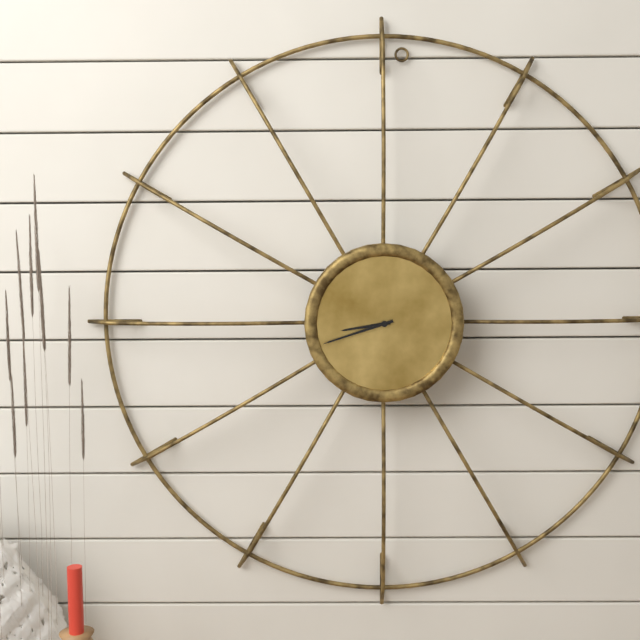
8:42
